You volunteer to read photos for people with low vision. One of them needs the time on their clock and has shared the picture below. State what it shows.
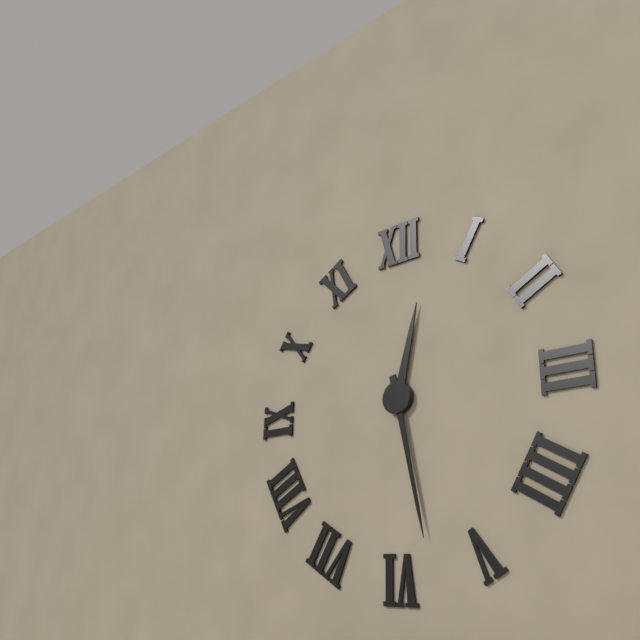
12:28
